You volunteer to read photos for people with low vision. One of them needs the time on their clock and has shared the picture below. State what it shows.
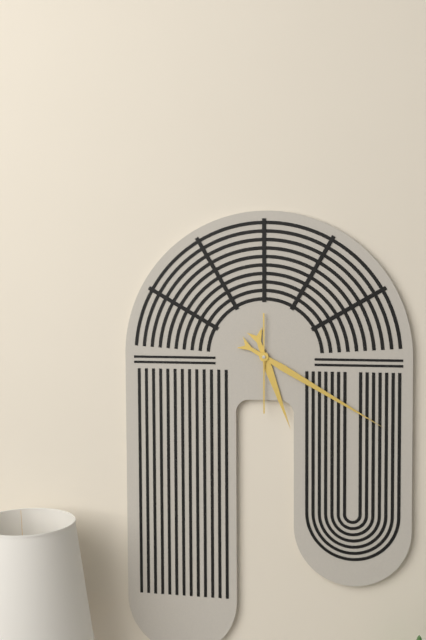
5:20:30
